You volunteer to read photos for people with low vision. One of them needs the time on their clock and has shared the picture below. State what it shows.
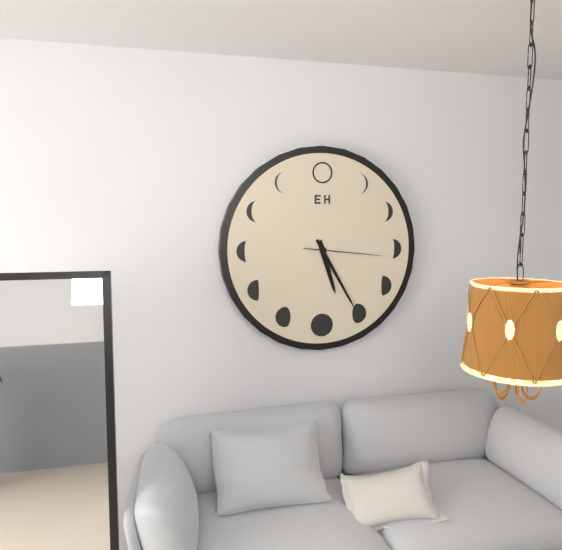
5:25:16
